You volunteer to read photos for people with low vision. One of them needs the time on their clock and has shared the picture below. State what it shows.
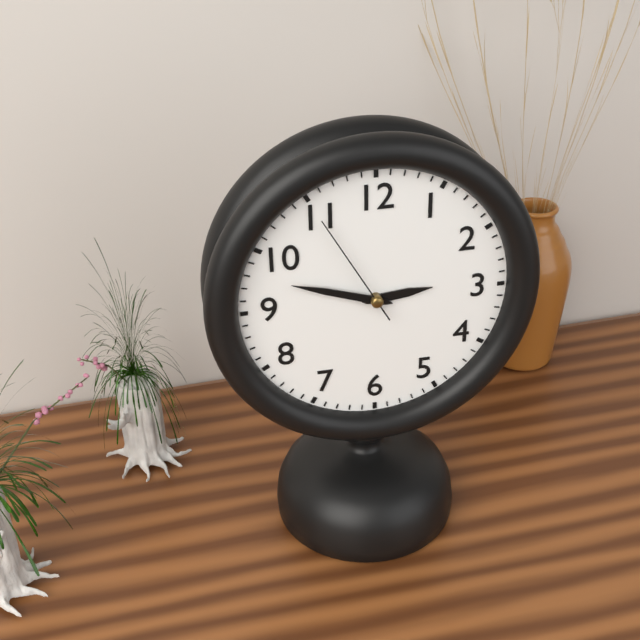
2:48:55
